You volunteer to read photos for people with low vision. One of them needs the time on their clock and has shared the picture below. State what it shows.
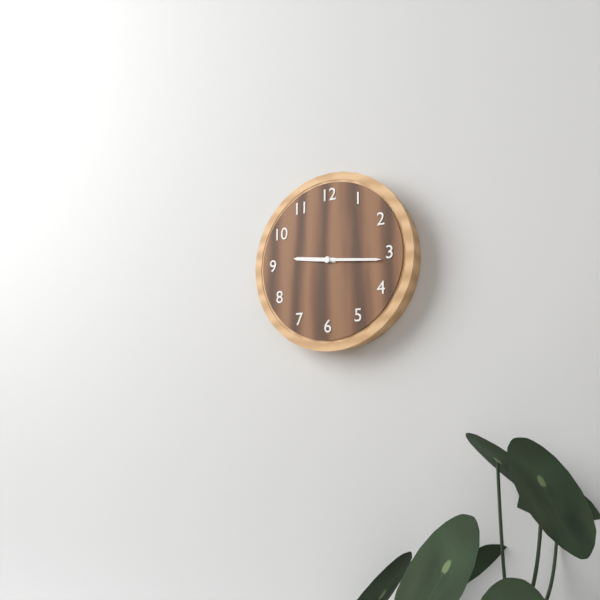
9:16
